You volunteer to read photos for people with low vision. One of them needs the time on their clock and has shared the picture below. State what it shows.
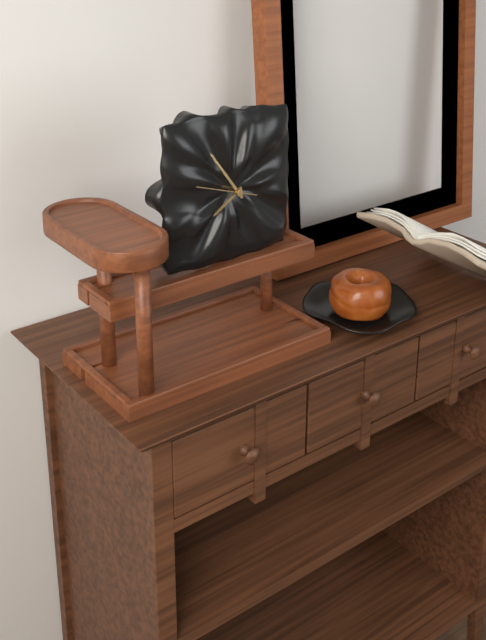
7:54:48
